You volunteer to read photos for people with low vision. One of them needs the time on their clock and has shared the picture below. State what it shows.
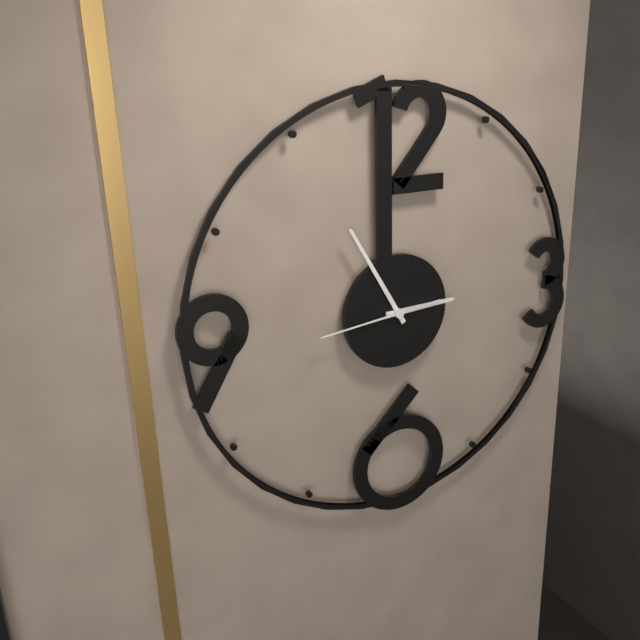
2:55:44
